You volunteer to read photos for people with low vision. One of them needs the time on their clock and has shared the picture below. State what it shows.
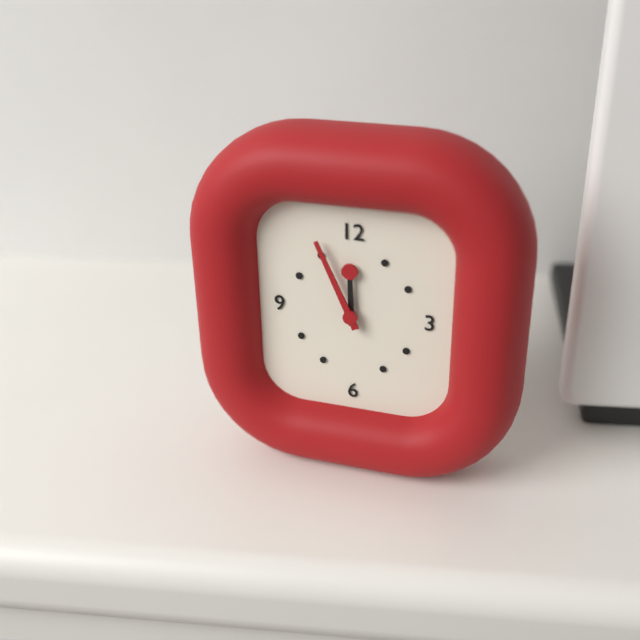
11:56
